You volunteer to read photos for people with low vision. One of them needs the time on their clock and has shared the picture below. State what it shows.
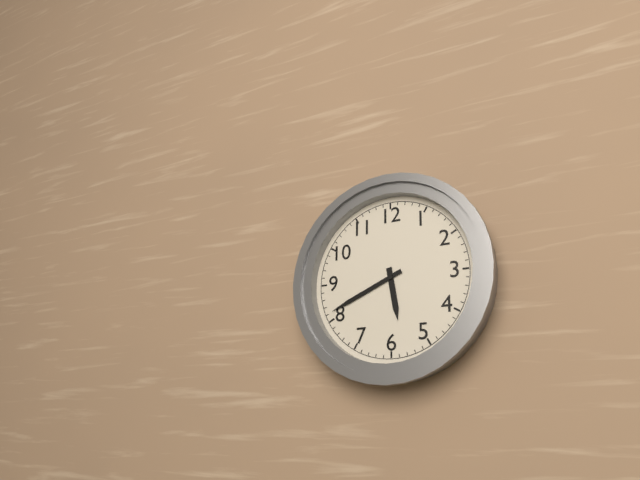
5:41
